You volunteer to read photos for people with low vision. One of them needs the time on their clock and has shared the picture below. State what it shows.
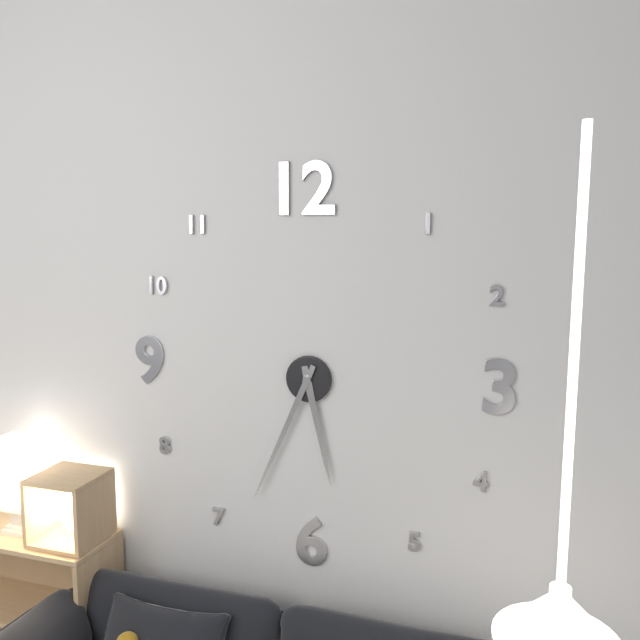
5:34
